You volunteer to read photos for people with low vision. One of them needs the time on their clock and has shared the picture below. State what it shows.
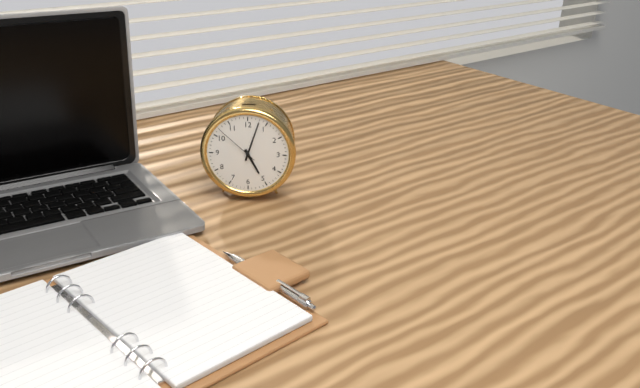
5:03
